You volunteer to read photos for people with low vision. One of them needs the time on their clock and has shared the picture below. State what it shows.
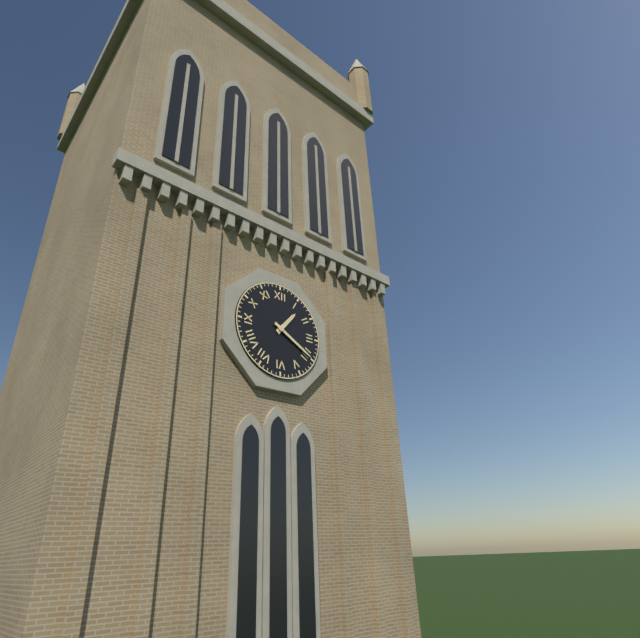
1:20
